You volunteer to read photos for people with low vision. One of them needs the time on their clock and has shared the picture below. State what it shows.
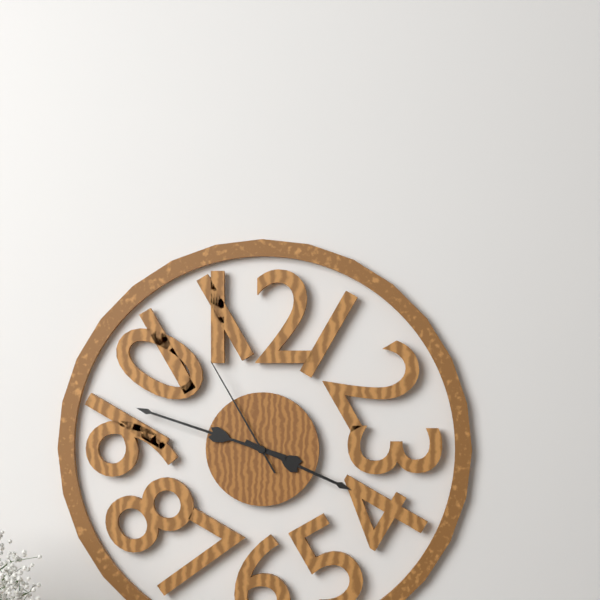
3:48:55
